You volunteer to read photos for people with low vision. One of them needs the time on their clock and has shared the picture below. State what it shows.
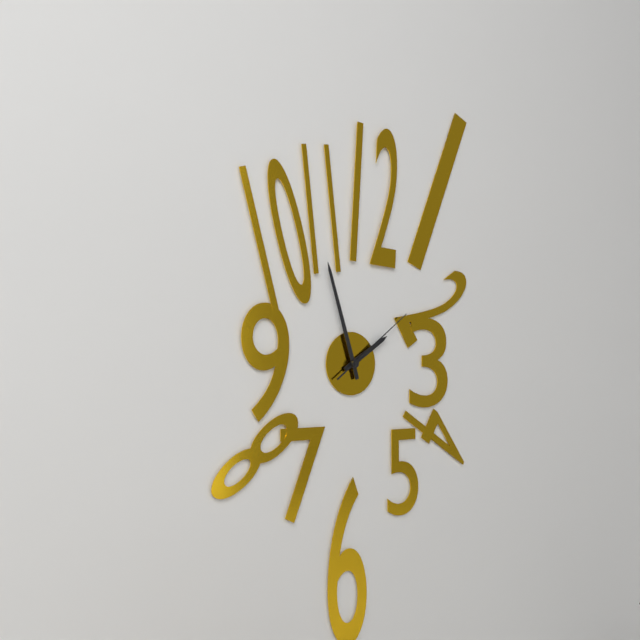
1:57:09
